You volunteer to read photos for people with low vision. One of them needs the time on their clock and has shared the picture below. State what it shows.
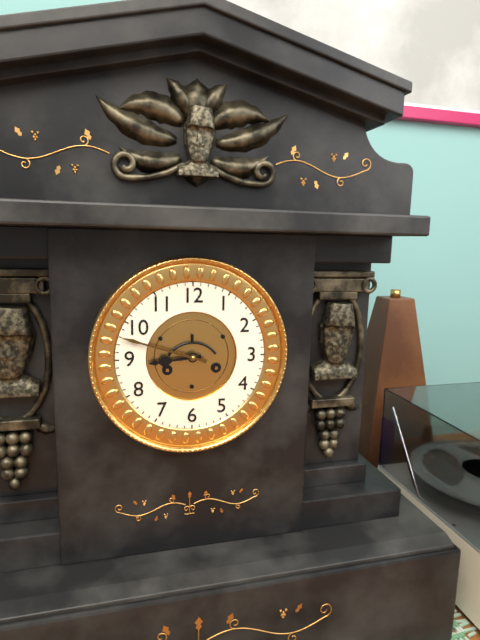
8:48
